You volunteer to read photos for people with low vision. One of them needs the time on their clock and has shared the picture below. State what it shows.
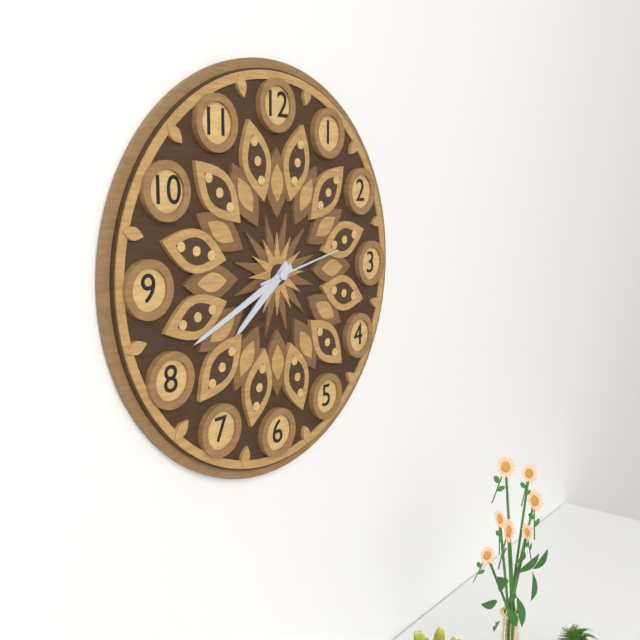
7:41:13
